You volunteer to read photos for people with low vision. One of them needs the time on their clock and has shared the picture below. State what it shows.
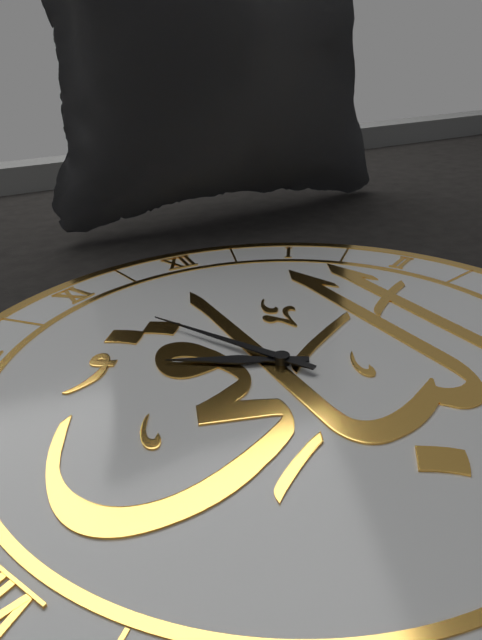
9:55
